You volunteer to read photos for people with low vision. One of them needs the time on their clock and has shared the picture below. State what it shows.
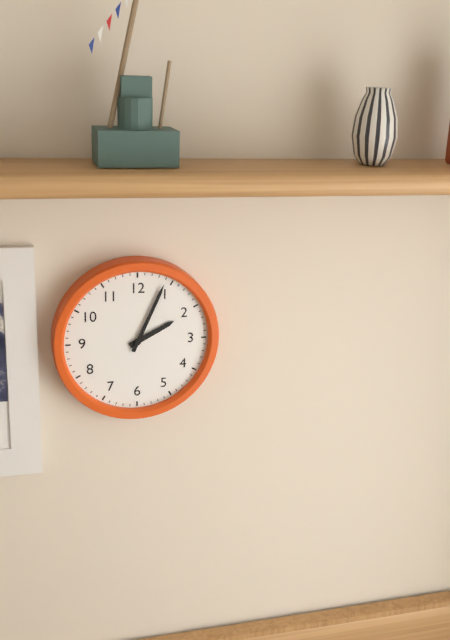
2:04
